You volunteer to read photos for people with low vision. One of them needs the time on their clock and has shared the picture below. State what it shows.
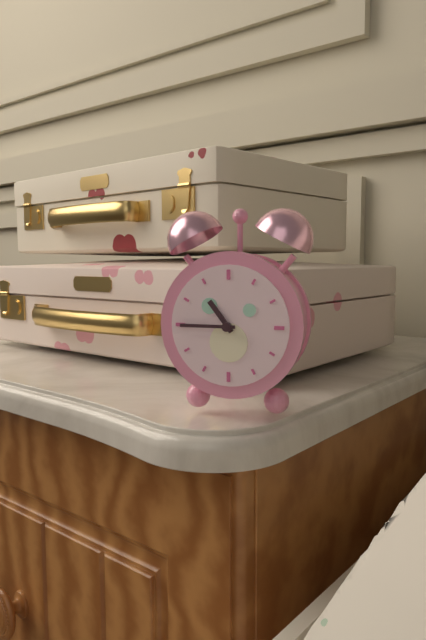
10:45
